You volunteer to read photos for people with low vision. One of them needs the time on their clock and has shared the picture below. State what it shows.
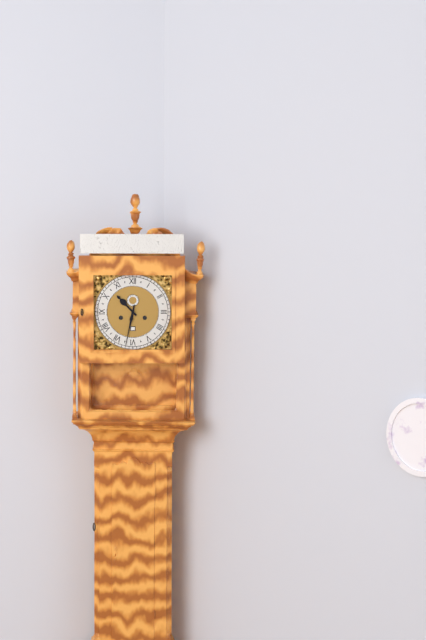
10:32
